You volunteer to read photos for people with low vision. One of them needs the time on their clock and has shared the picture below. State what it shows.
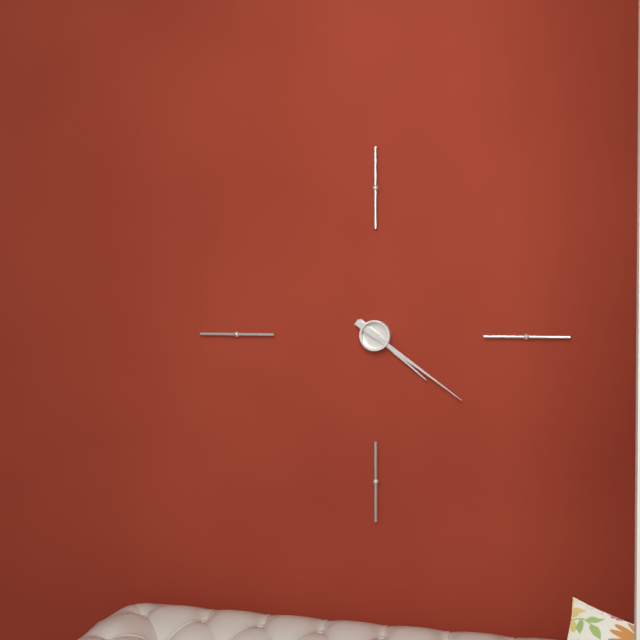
4:21
